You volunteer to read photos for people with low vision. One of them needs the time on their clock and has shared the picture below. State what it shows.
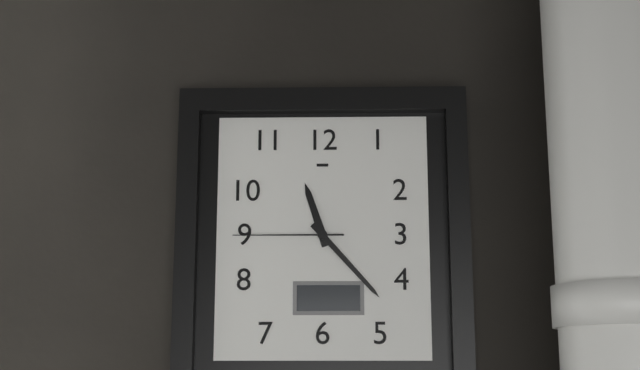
11:23:45
